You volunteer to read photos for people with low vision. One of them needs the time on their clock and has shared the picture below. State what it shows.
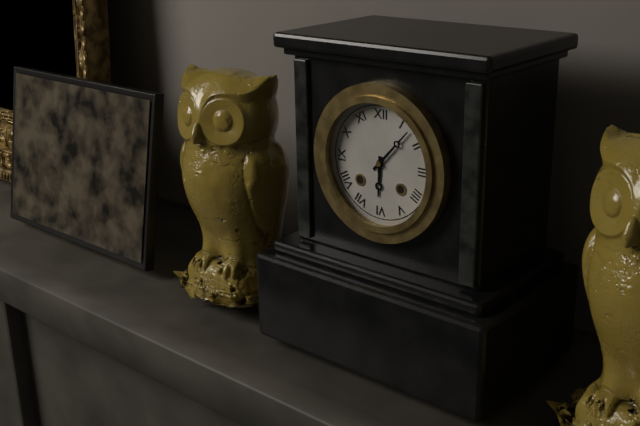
6:07
